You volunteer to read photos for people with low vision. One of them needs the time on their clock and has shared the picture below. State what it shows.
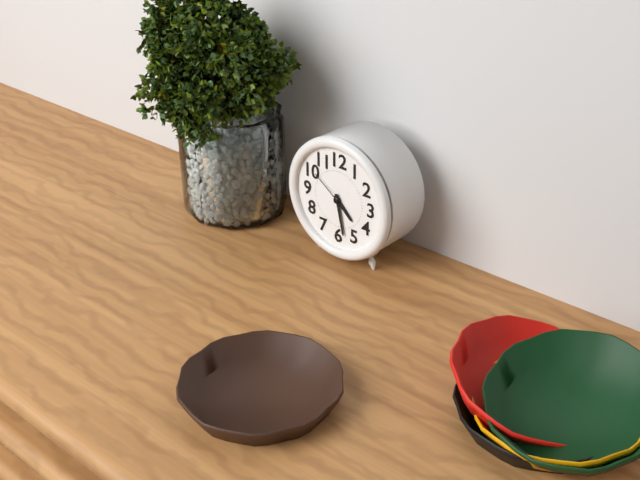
4:28
